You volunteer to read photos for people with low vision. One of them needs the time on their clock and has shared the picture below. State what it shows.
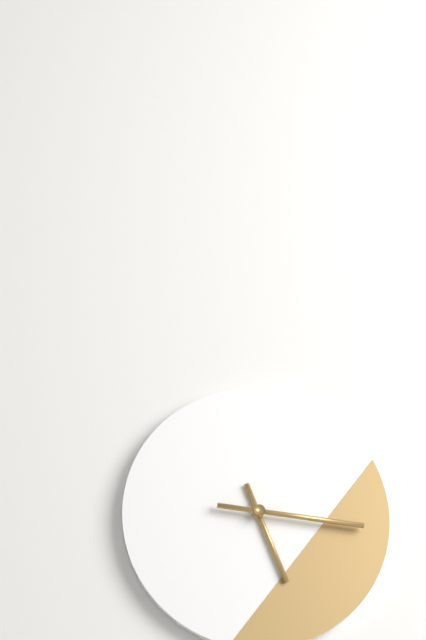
5:16
